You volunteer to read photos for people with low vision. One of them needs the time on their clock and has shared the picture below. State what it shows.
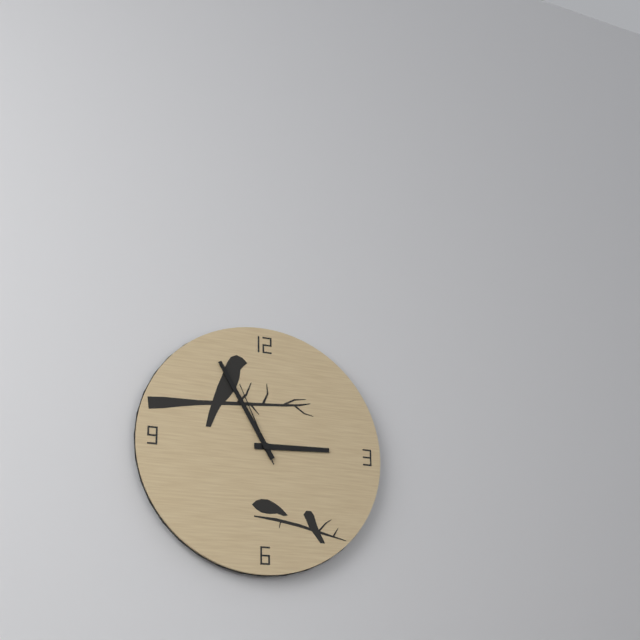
2:55:56
